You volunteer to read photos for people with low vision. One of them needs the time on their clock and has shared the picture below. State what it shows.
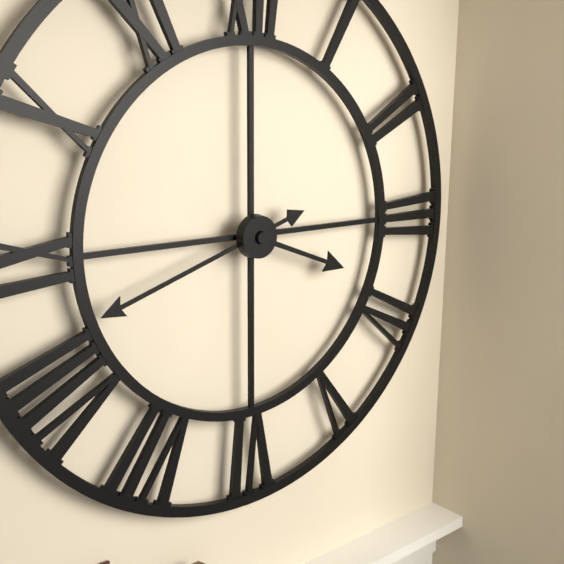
3:42
